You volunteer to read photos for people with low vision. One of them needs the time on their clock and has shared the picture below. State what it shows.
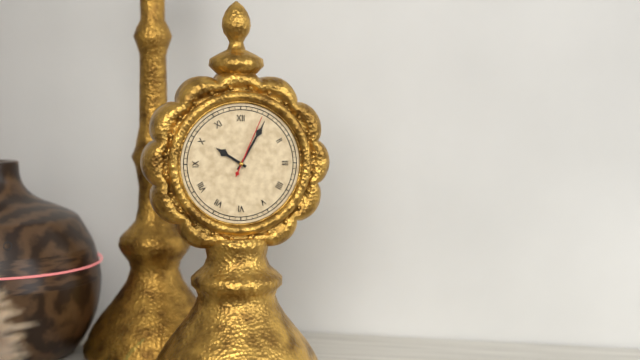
10:05:04
